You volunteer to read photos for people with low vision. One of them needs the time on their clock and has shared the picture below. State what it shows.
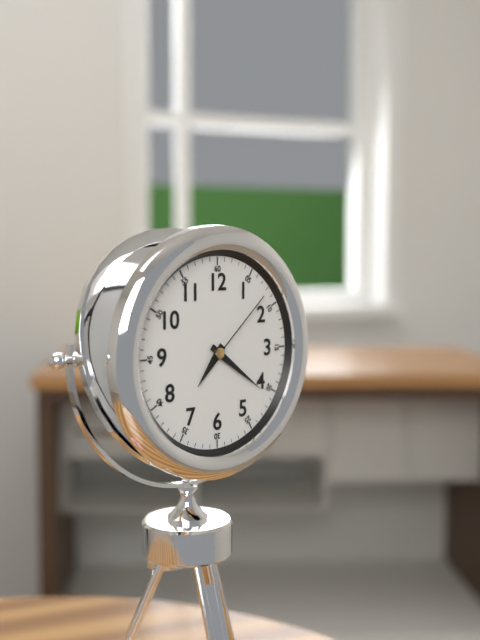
7:21:08
